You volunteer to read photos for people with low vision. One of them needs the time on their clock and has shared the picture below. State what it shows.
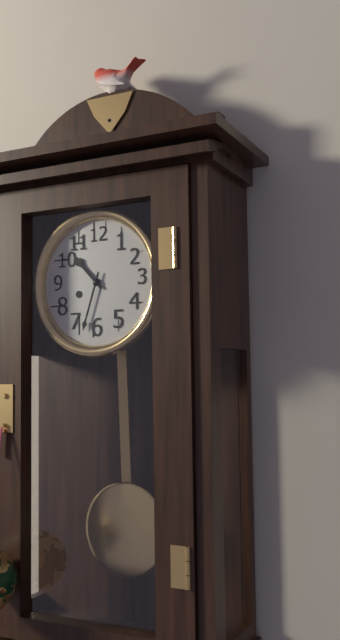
10:33
